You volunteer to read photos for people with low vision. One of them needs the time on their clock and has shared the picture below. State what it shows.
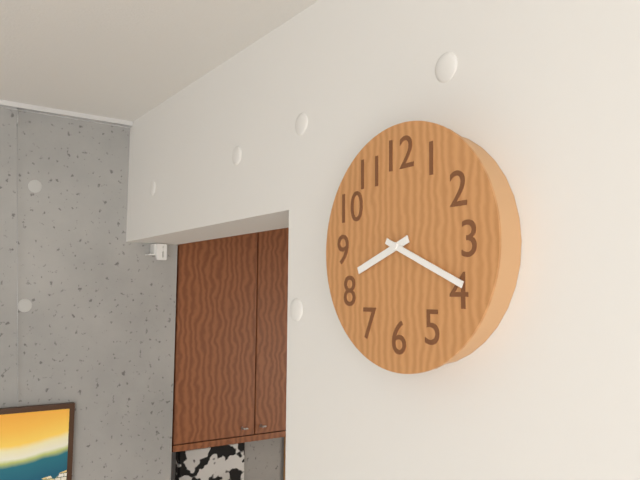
8:19
